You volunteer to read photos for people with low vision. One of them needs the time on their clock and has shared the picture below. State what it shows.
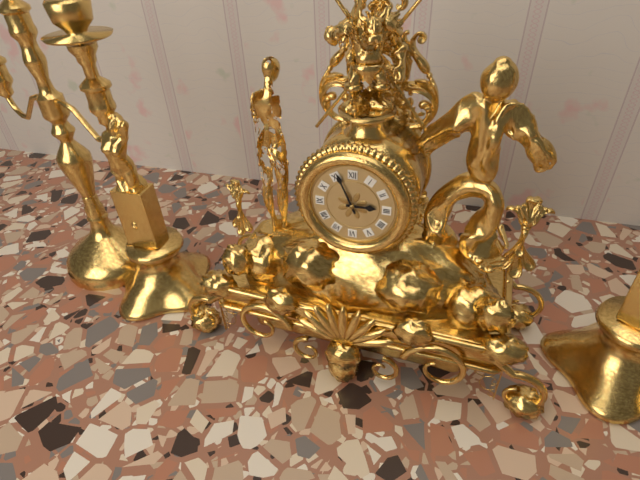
2:56
